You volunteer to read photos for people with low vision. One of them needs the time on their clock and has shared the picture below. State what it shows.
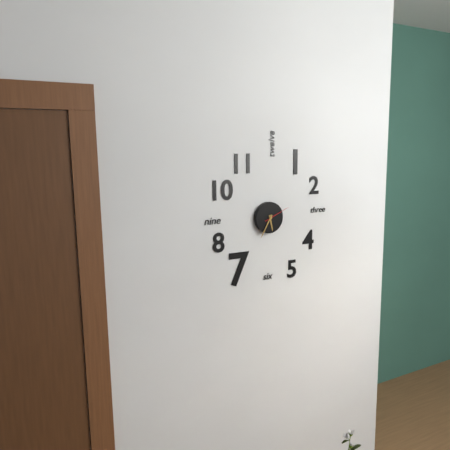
5:35
